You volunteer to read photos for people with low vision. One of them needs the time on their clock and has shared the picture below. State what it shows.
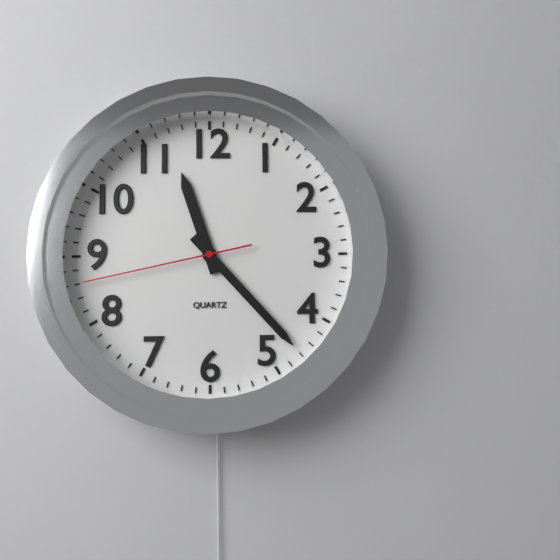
11:23:43
